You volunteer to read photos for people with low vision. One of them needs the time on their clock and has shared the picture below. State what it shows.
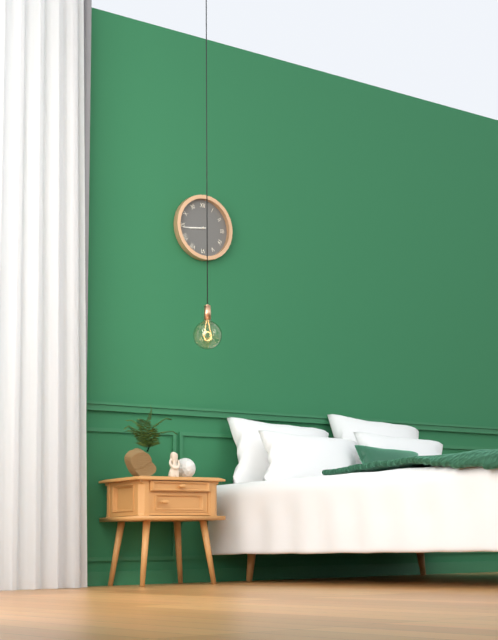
8:44
